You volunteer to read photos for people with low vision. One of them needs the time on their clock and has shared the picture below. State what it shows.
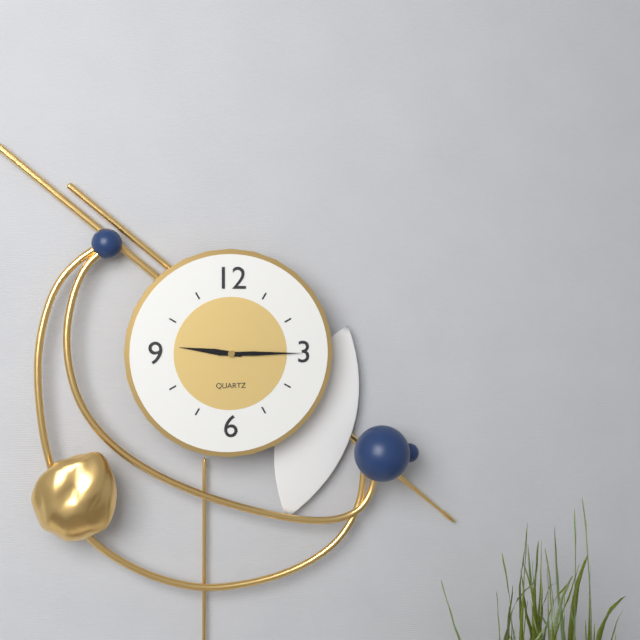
9:15
